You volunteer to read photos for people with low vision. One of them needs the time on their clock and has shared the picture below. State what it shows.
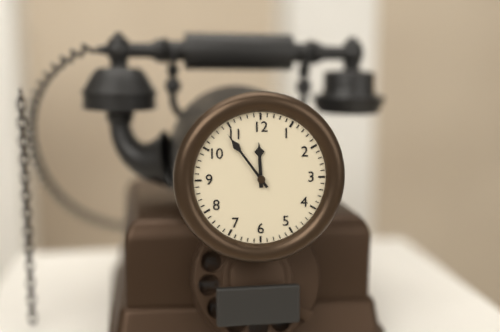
11:54
